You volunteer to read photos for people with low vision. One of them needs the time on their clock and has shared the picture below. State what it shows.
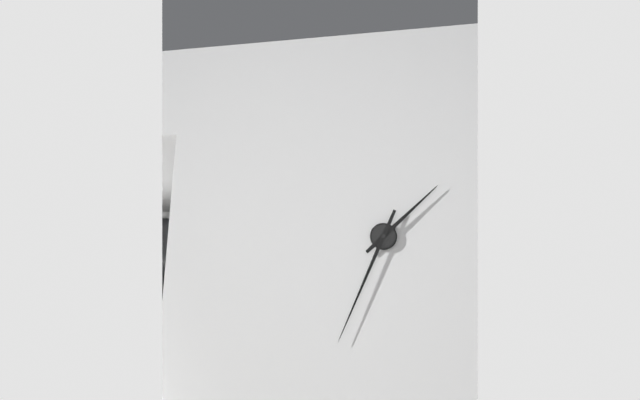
1:34
